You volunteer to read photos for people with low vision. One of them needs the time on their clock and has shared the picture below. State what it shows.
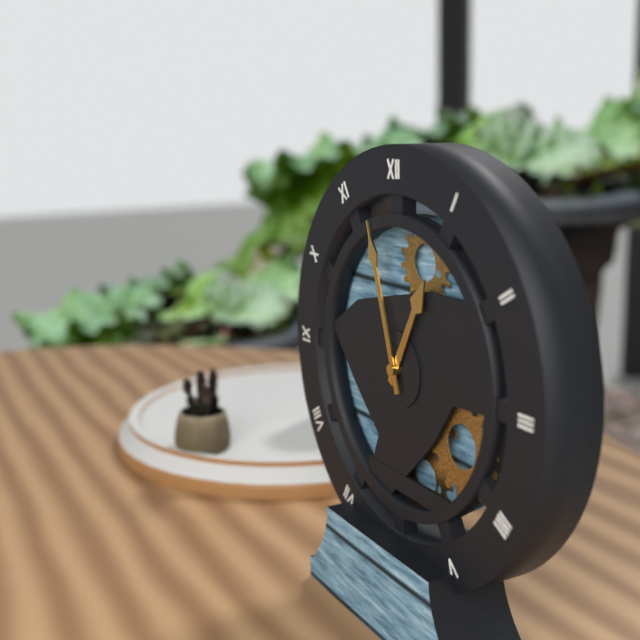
12:57
